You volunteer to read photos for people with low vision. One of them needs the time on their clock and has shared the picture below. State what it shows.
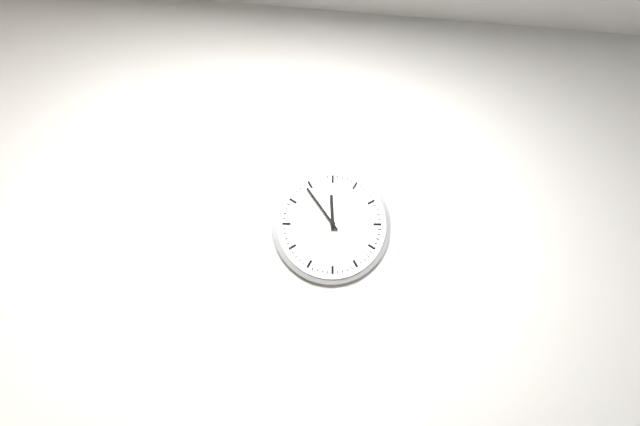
11:54
